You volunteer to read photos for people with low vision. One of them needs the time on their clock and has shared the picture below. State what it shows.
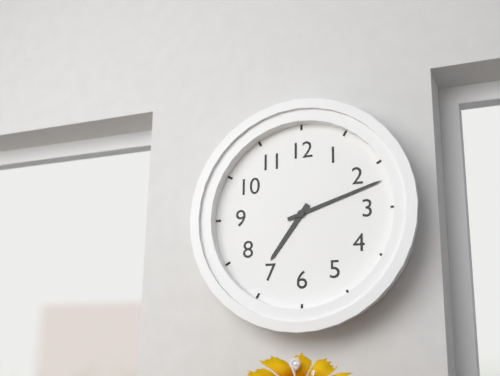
7:12
